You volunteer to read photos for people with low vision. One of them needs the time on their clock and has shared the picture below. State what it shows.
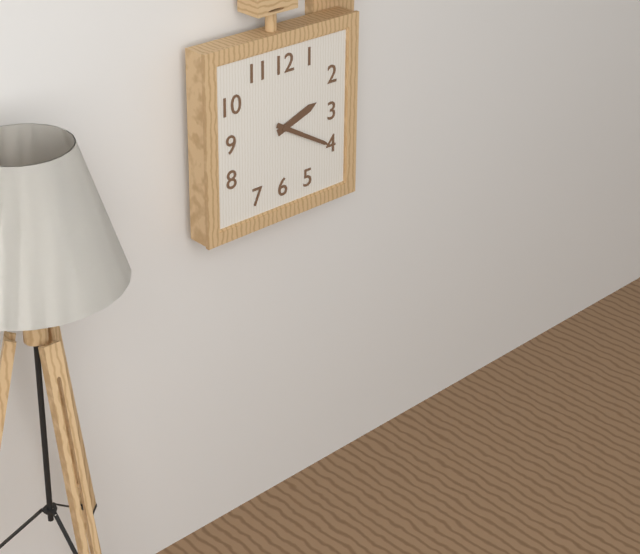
2:20
